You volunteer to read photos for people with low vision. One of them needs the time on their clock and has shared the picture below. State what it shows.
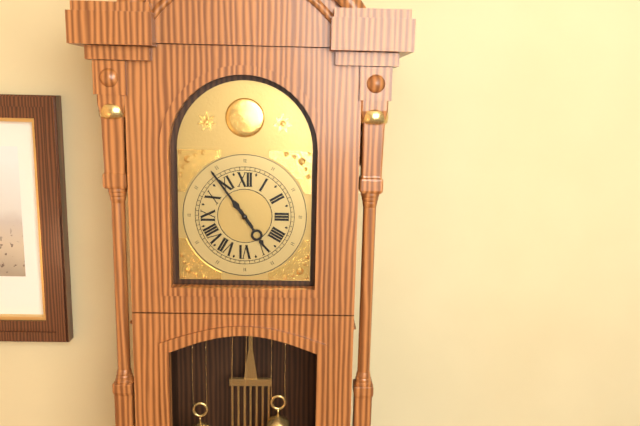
4:54
